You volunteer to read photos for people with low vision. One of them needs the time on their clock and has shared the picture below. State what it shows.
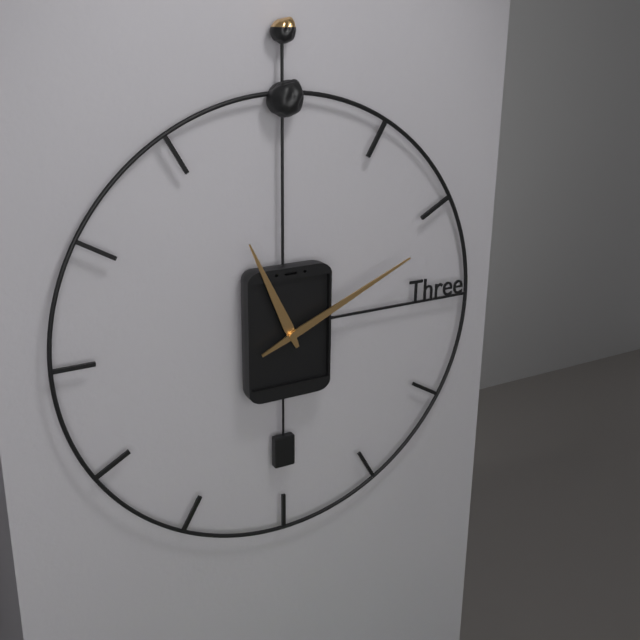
11:11
